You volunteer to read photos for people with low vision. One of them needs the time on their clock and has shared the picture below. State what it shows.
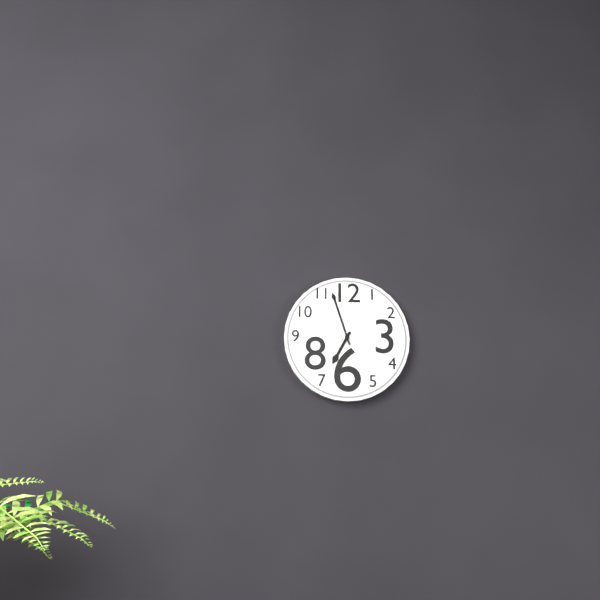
6:57
